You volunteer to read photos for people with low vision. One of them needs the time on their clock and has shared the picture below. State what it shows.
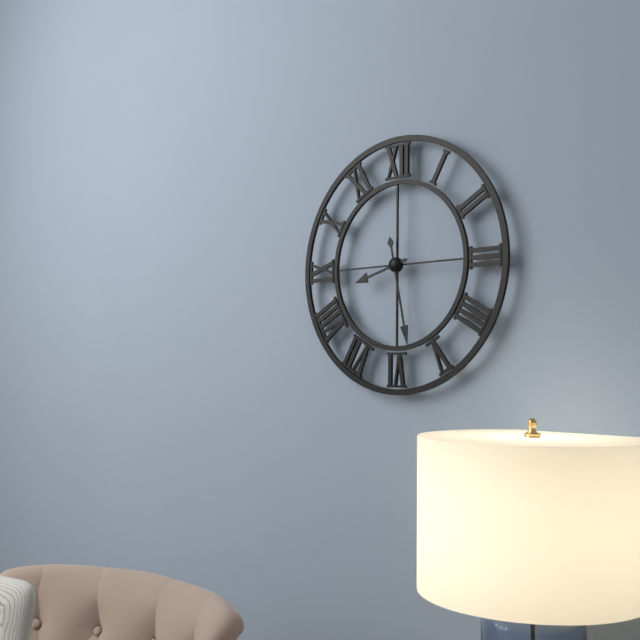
8:28
